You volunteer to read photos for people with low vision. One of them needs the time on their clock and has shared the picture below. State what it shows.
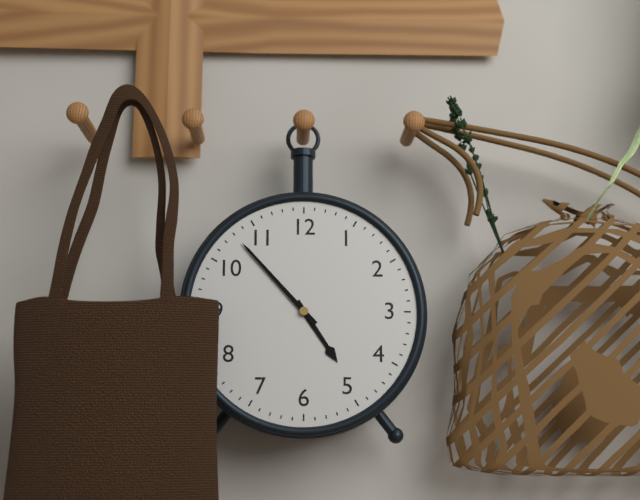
4:53
